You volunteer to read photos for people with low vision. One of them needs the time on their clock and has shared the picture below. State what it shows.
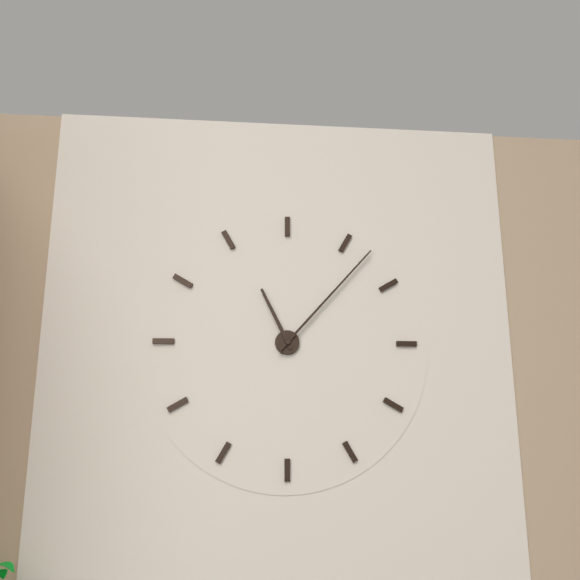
11:07
